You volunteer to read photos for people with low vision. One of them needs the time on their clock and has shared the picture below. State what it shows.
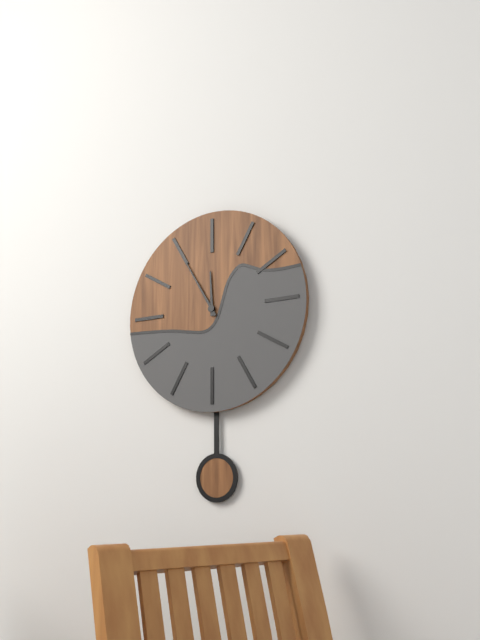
11:55
